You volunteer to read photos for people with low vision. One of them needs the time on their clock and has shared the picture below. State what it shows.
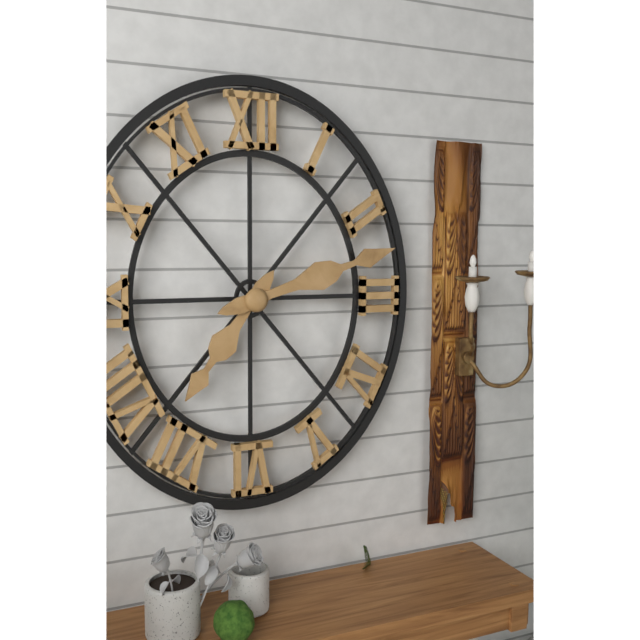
7:12
